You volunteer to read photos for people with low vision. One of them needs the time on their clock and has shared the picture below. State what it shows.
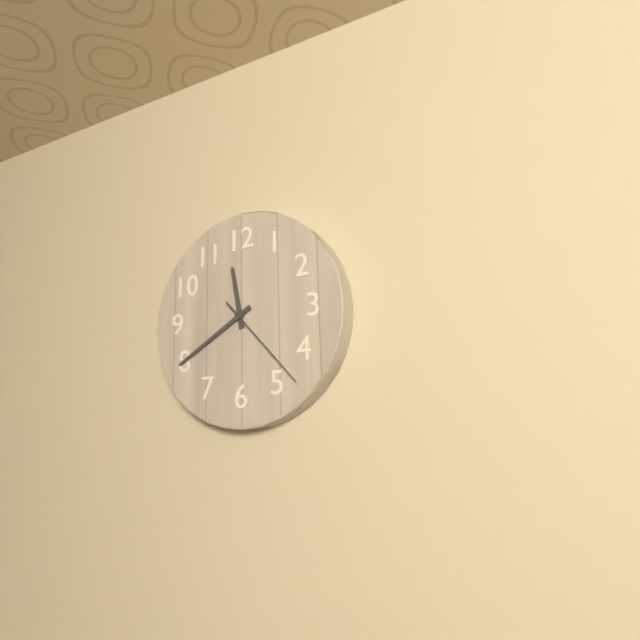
11:40:23
